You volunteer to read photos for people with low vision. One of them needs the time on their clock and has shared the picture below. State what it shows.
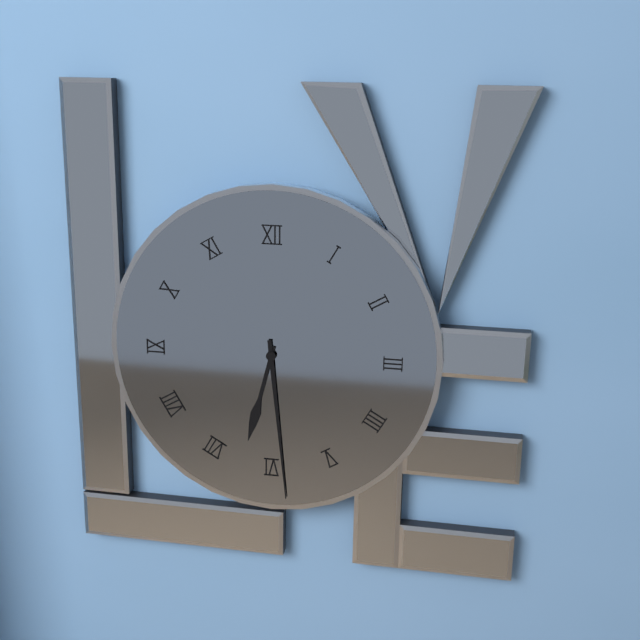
6:29
